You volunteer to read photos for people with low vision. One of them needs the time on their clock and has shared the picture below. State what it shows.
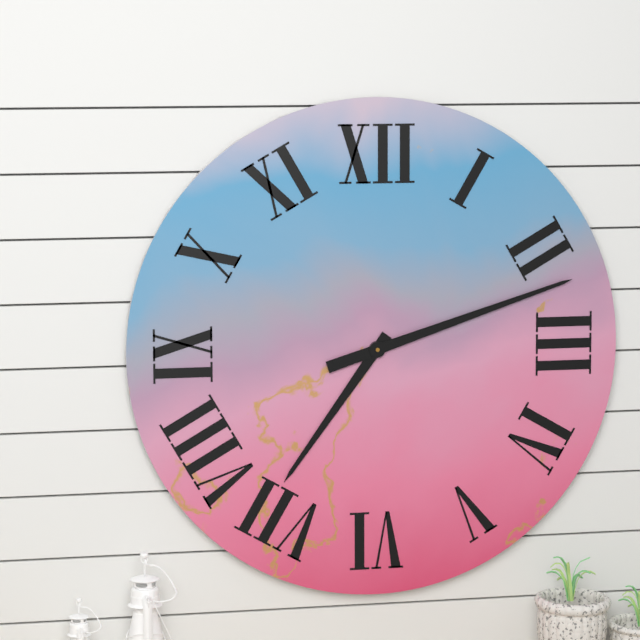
7:12
